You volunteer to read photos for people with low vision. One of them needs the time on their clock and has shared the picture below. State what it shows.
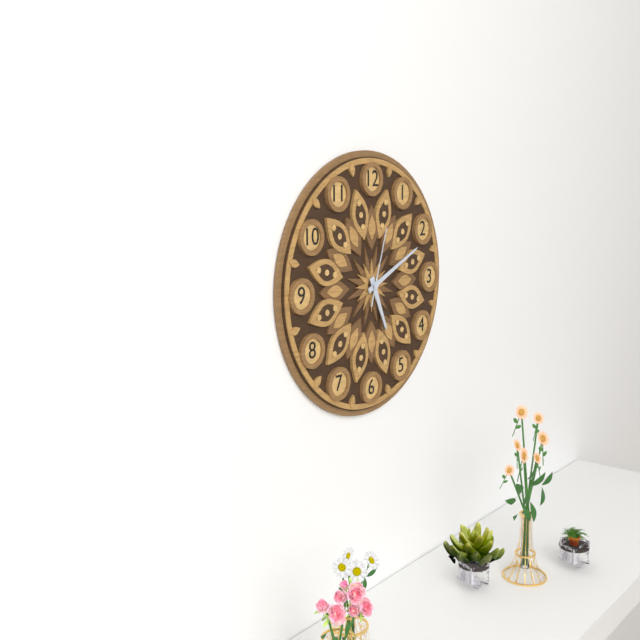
5:11:03
